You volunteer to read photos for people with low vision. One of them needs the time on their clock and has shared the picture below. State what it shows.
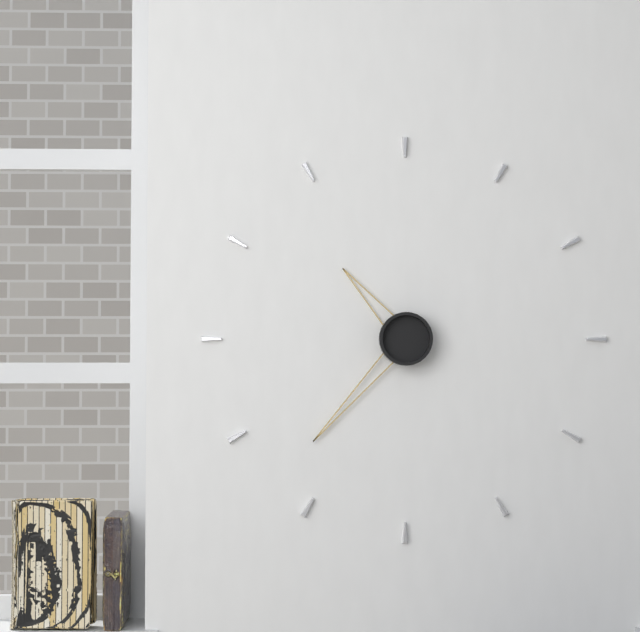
10:37
